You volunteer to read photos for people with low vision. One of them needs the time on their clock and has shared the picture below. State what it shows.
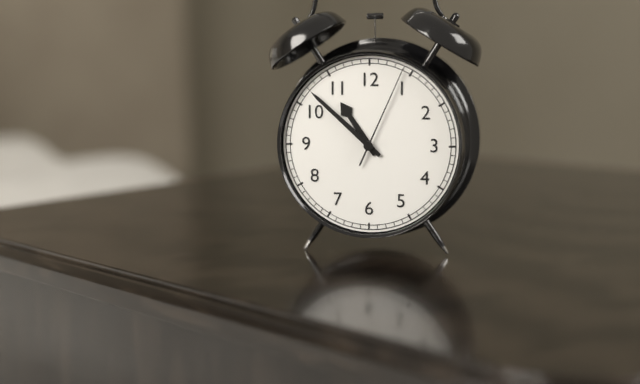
10:52:04
